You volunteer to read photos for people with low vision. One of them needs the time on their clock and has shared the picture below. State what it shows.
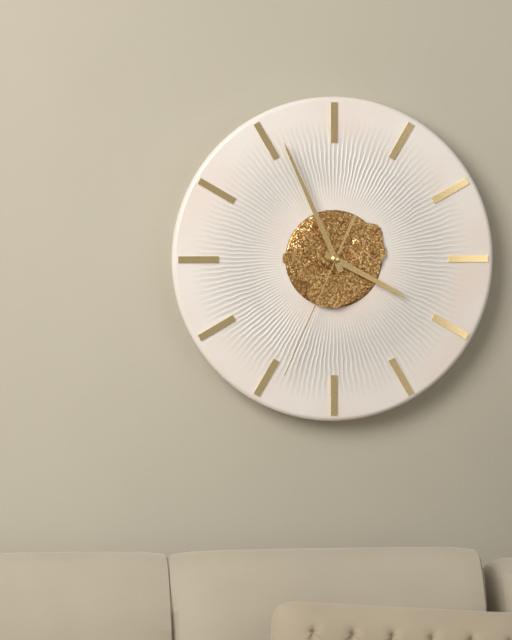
3:56:34
